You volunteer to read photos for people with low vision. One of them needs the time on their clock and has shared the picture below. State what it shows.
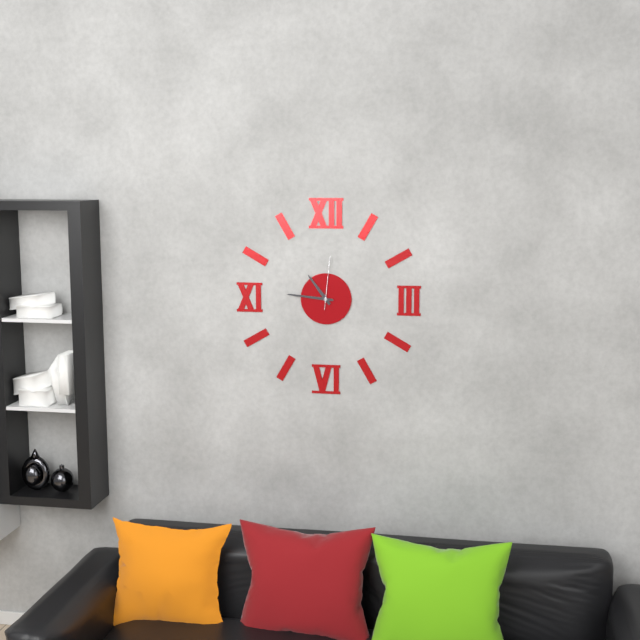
10:46:01
